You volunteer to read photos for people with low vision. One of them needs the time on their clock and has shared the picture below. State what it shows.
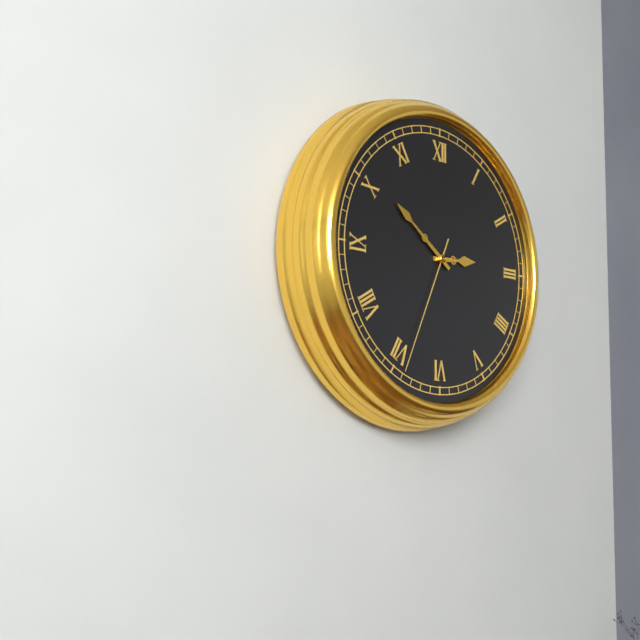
2:51:34
